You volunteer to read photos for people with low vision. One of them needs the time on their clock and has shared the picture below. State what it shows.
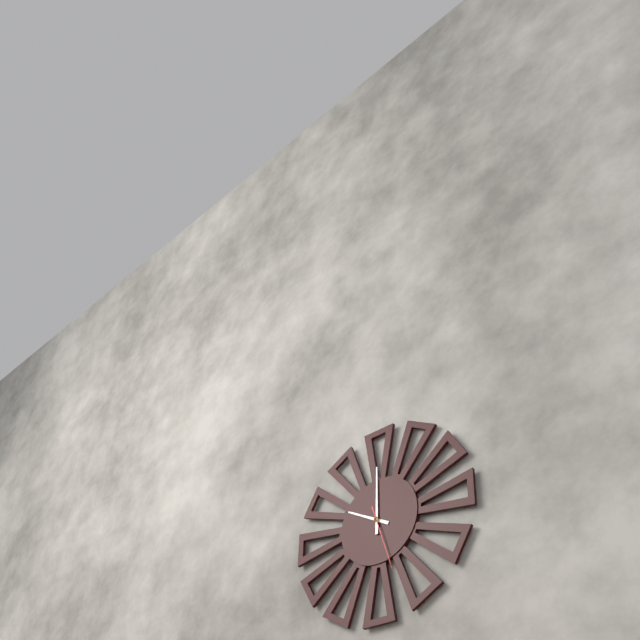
10:00:27
